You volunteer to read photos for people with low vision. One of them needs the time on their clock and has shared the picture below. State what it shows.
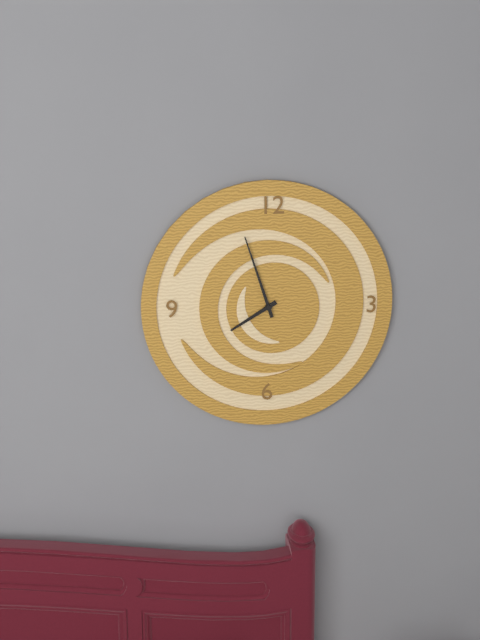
7:57
